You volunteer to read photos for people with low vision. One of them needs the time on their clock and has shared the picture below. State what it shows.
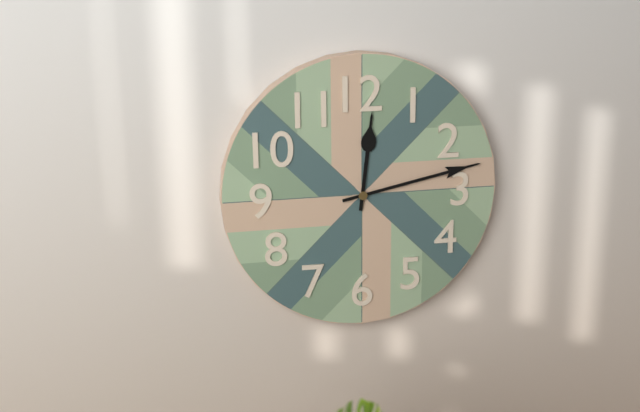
12:13
